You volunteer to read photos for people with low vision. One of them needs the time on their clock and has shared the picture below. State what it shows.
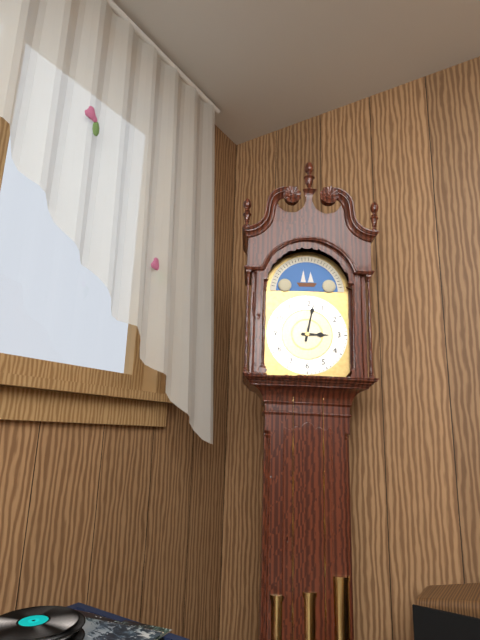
3:02
